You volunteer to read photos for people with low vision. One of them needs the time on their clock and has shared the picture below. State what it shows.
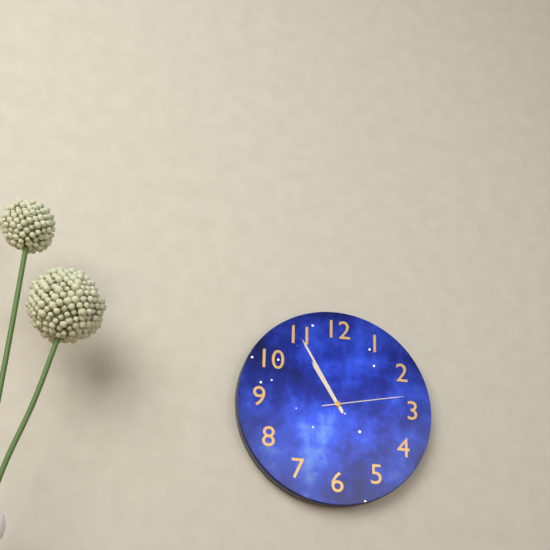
10:55:13
